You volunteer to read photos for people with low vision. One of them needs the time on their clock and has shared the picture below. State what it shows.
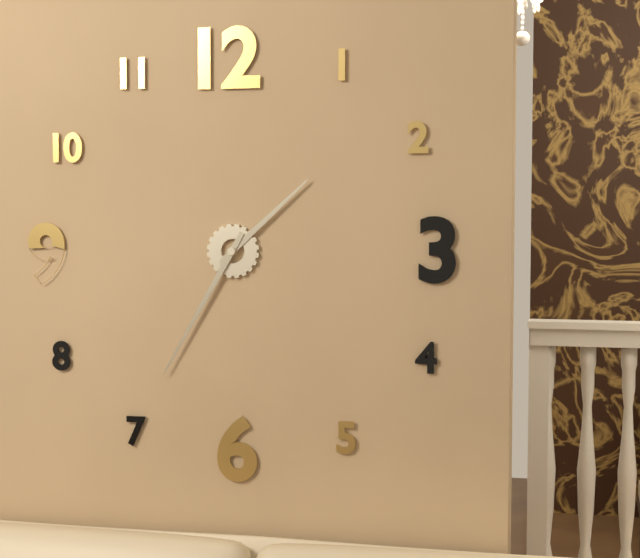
1:35
